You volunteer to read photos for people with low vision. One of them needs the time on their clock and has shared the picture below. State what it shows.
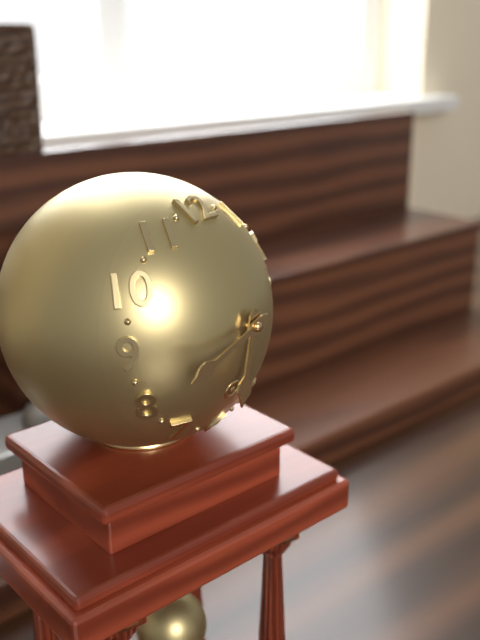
6:43
